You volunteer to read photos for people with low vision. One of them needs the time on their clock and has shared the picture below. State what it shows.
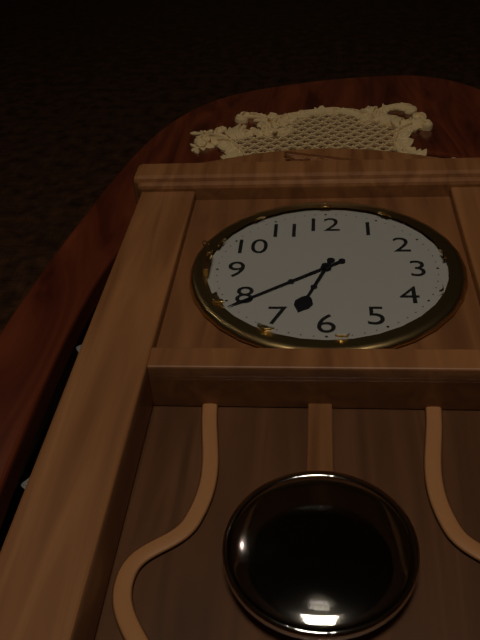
6:39
